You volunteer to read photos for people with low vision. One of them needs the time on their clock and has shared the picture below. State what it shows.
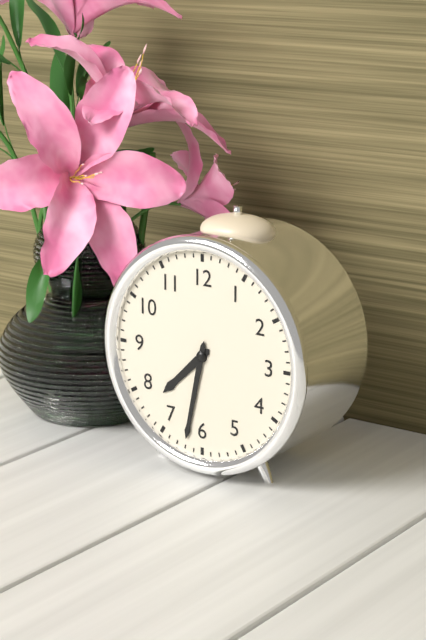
7:32
